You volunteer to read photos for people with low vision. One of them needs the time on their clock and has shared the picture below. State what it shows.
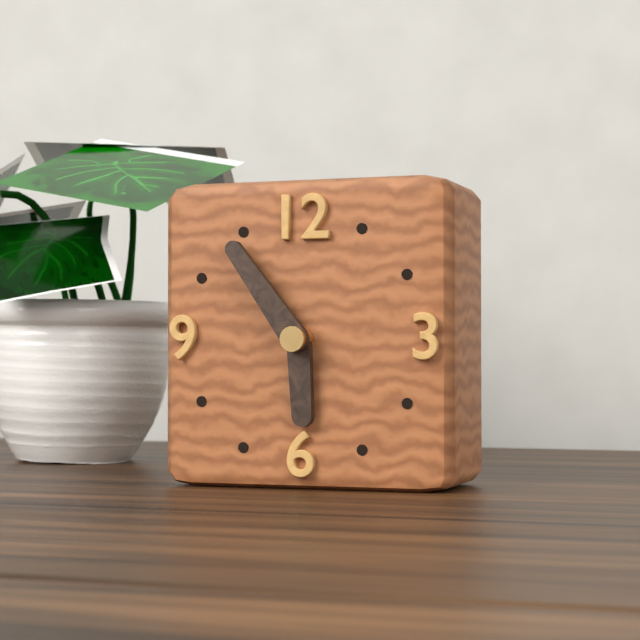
5:54
